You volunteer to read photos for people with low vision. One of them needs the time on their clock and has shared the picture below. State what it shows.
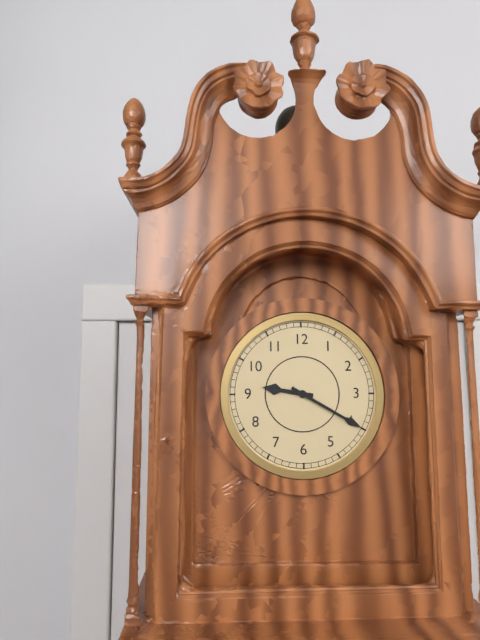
9:20
